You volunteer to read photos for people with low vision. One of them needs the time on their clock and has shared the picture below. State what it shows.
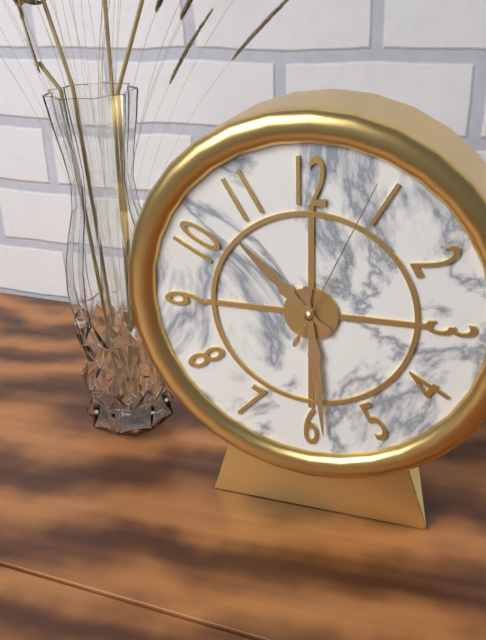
10:29:04
